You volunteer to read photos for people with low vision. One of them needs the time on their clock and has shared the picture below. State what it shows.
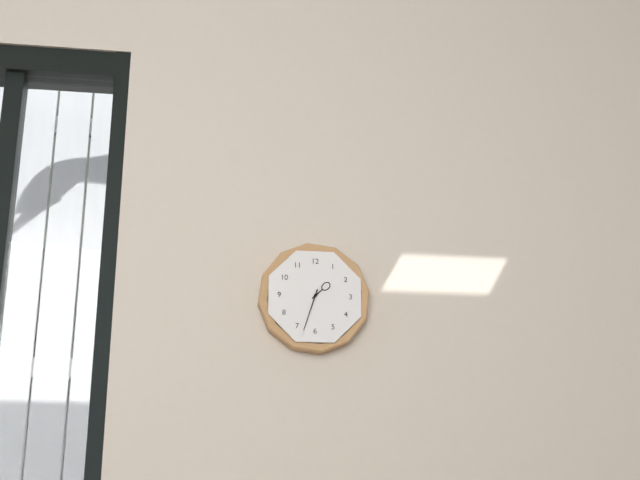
1:33
